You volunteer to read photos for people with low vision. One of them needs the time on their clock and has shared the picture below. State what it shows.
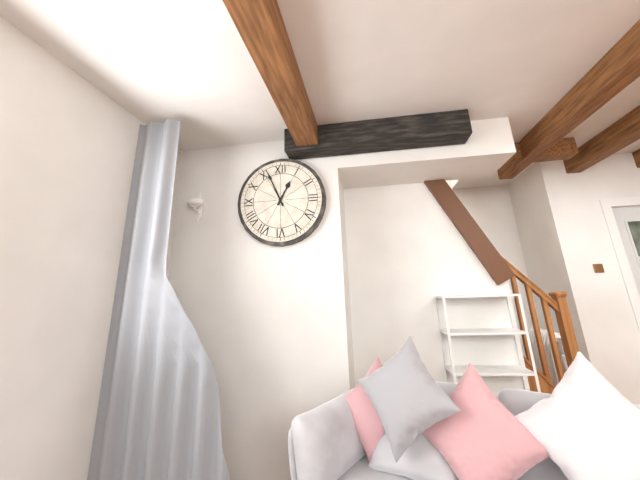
12:56
